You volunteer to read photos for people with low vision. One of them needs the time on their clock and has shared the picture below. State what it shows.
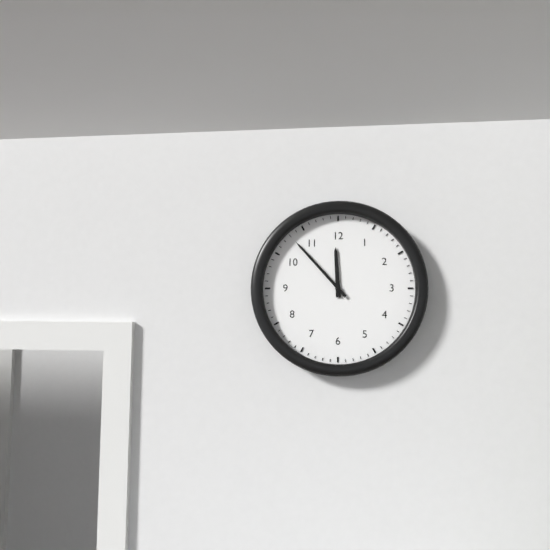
11:53
